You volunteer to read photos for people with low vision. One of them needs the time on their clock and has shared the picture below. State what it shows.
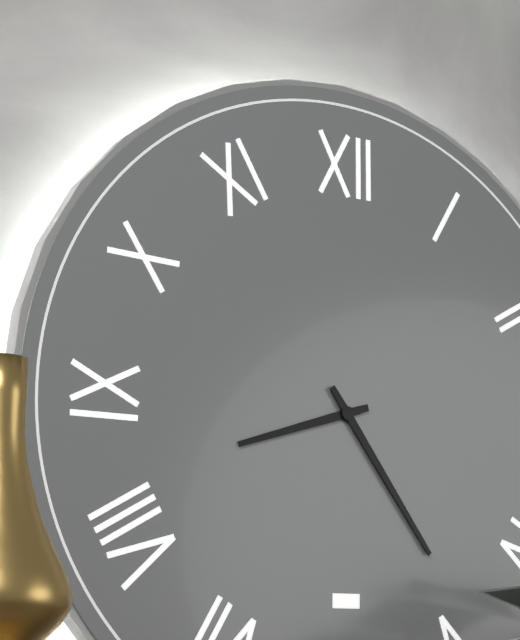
8:24
